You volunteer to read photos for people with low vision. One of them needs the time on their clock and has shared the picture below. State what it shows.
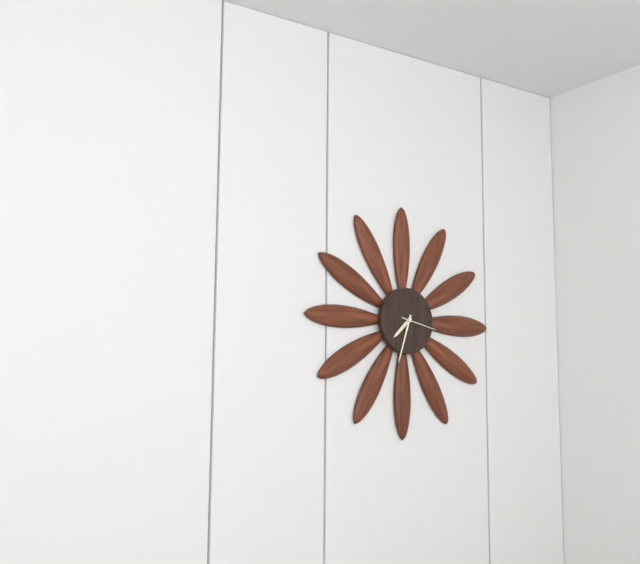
7:33:17
